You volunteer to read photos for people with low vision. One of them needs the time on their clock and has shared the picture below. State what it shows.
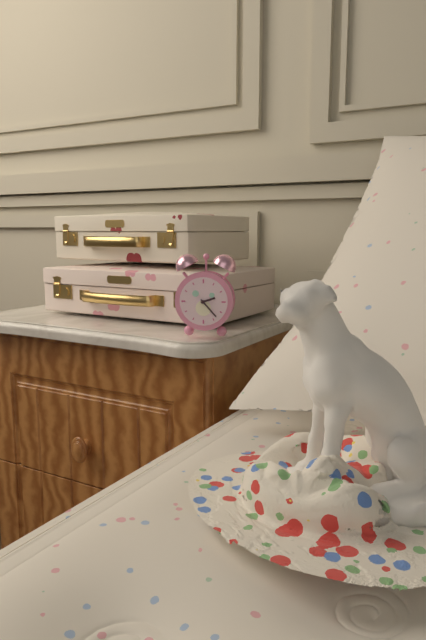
2:23
